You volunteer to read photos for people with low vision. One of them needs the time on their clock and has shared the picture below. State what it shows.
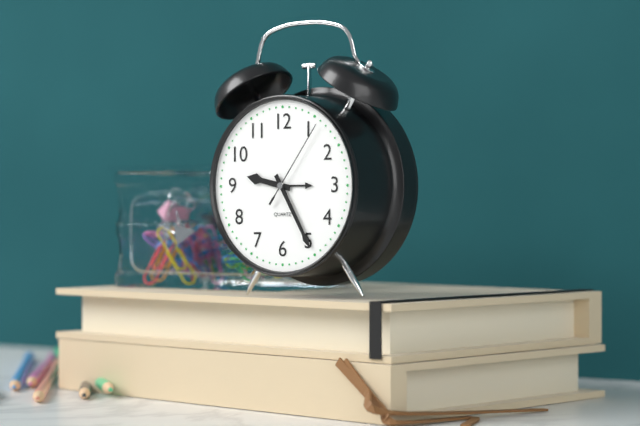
9:25:06
